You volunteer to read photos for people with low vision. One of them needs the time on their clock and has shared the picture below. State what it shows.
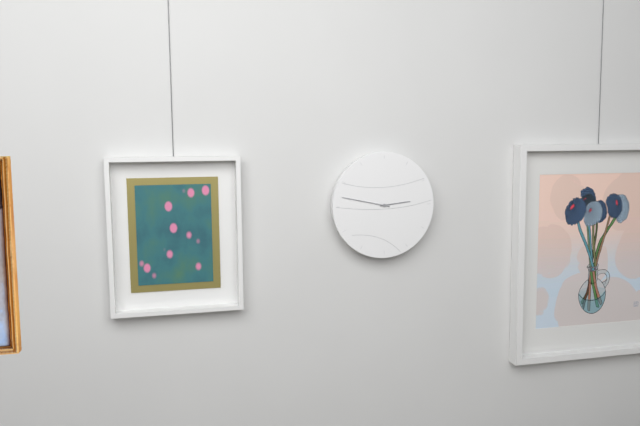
2:47
